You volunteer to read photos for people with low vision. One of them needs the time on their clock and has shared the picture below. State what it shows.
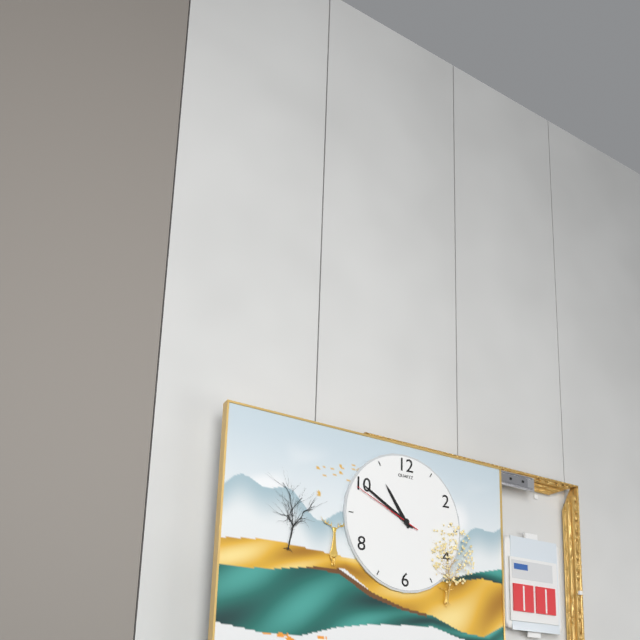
10:50:49
